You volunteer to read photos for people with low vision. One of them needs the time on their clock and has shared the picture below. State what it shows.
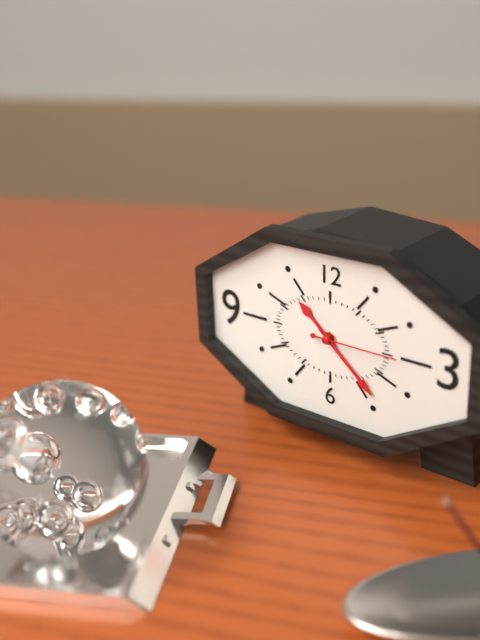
10:22:15
